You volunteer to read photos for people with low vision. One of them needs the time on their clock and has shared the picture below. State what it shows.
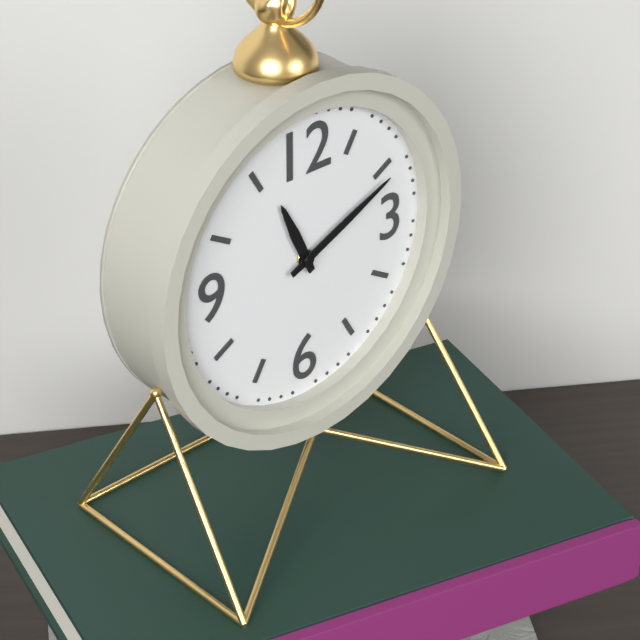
11:11
